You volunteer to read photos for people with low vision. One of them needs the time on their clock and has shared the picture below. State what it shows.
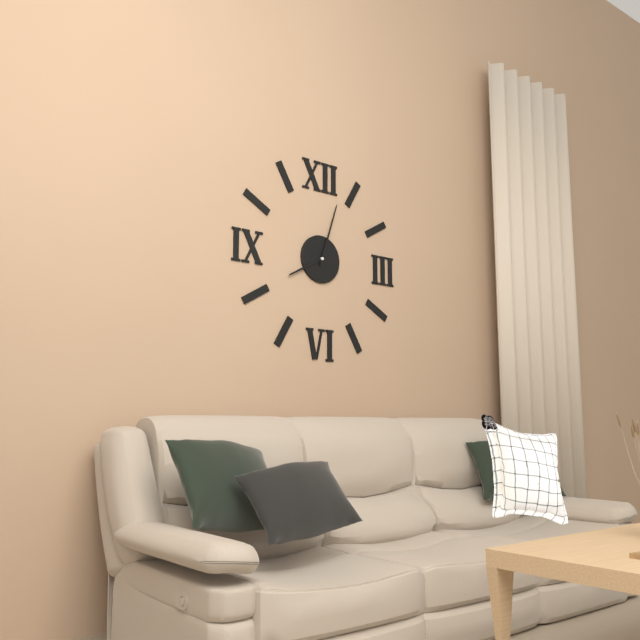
8:03
